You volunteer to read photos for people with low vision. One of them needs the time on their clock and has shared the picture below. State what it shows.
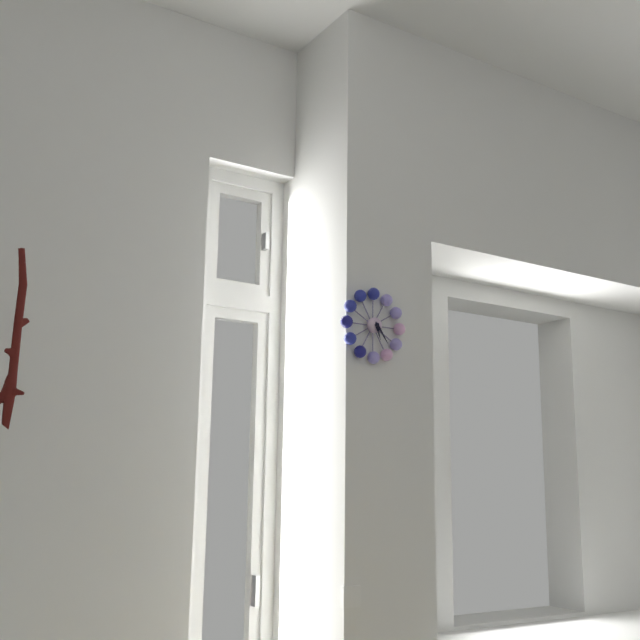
5:24
